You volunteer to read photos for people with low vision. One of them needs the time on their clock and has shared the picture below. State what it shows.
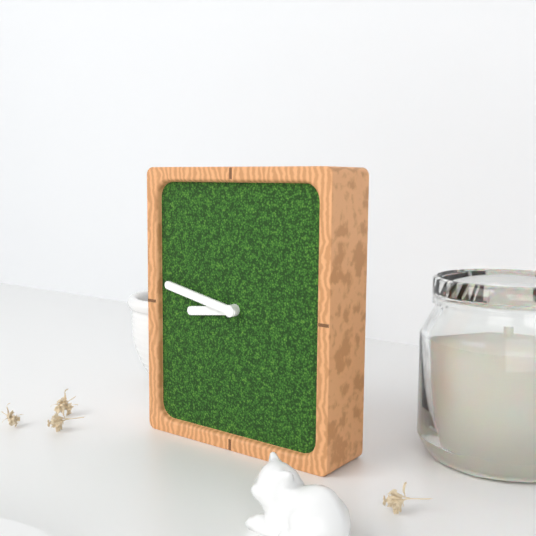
8:47
